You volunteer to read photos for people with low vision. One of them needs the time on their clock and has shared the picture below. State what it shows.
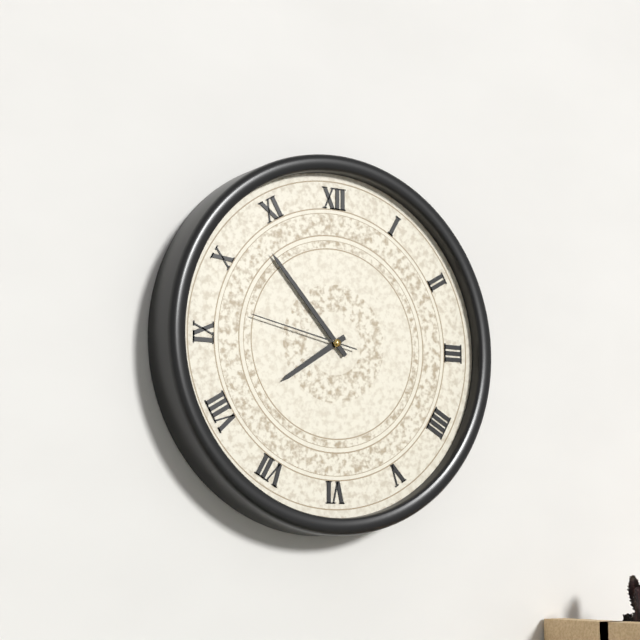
7:53:47
